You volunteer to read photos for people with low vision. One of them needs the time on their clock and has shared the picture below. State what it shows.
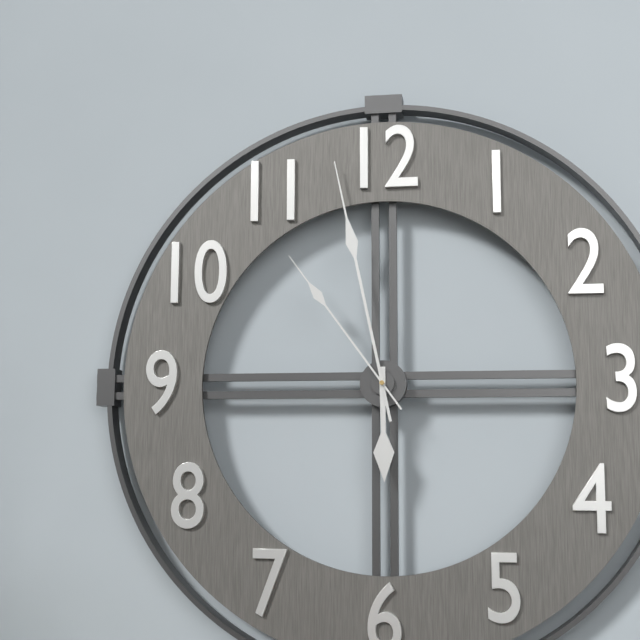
5:58:54
